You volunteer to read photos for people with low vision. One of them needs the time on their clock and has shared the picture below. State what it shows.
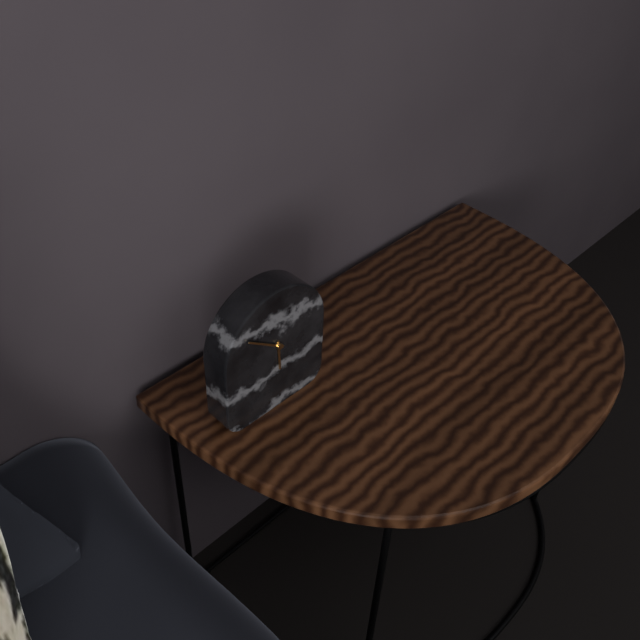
5:51
